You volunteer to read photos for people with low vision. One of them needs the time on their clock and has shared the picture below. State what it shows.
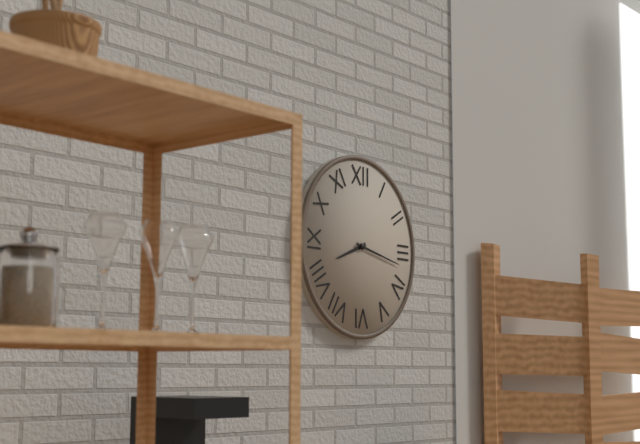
8:17
